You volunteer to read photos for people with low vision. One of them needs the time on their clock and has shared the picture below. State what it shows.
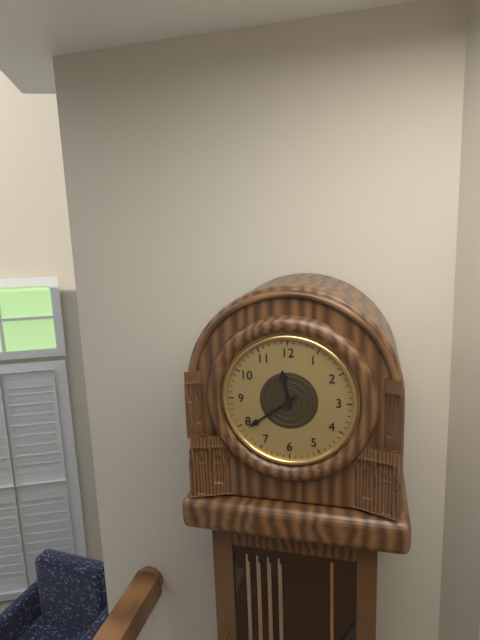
11:39
